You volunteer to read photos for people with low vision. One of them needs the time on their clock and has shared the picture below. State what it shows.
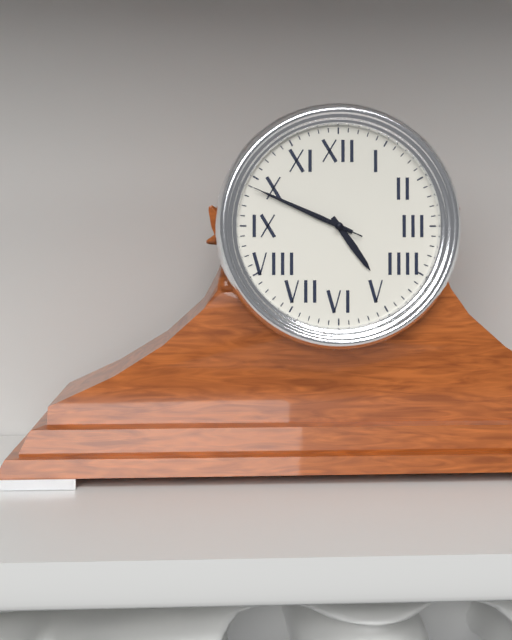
4:49:49
